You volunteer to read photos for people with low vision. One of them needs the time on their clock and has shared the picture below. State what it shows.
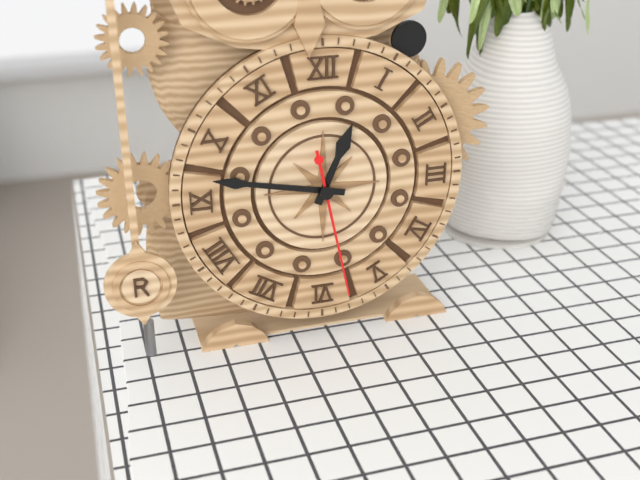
12:47:28
